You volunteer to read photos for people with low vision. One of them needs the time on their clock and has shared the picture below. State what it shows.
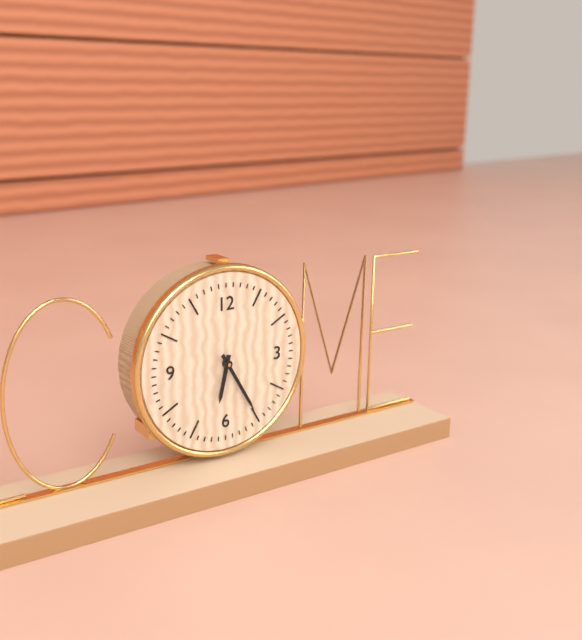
6:25
